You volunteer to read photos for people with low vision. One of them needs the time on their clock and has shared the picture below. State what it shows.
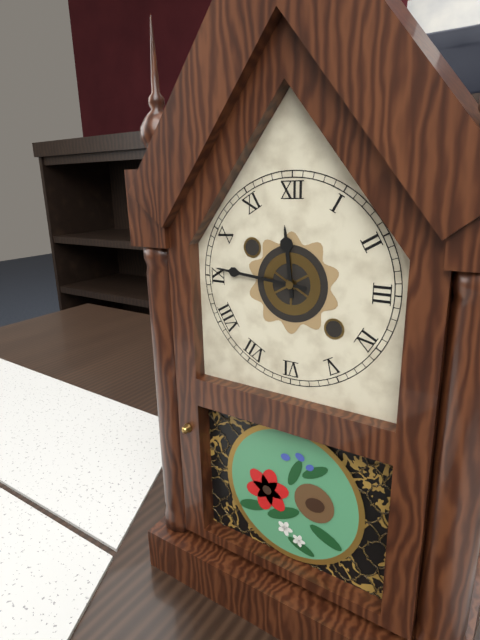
11:46
